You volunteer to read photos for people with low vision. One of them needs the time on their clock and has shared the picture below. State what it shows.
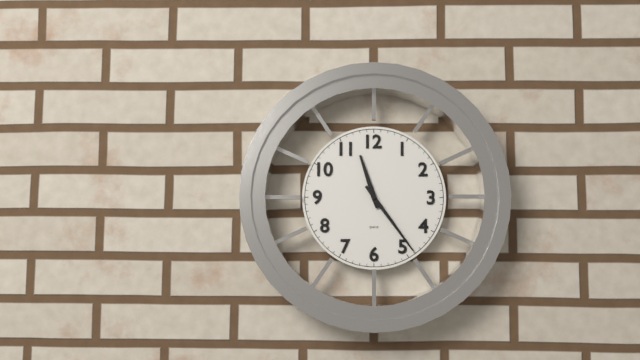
11:24
